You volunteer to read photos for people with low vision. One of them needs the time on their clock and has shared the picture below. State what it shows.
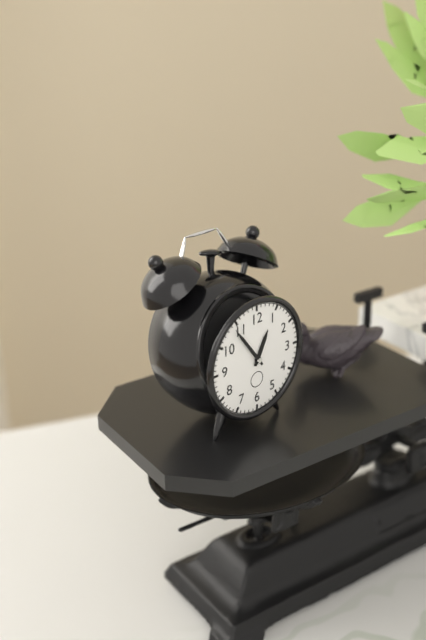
12:54
